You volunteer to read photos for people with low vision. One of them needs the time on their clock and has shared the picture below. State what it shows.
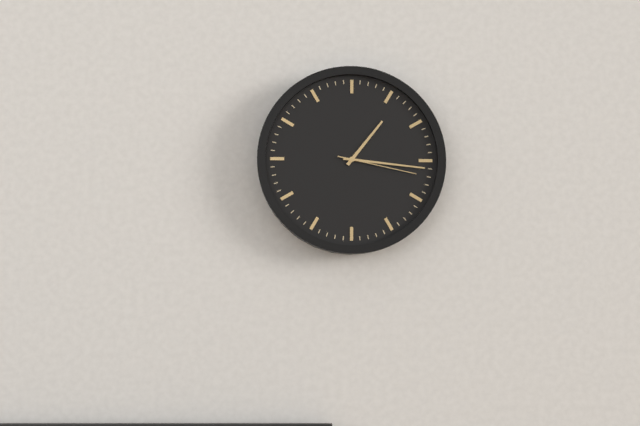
1:16:17
